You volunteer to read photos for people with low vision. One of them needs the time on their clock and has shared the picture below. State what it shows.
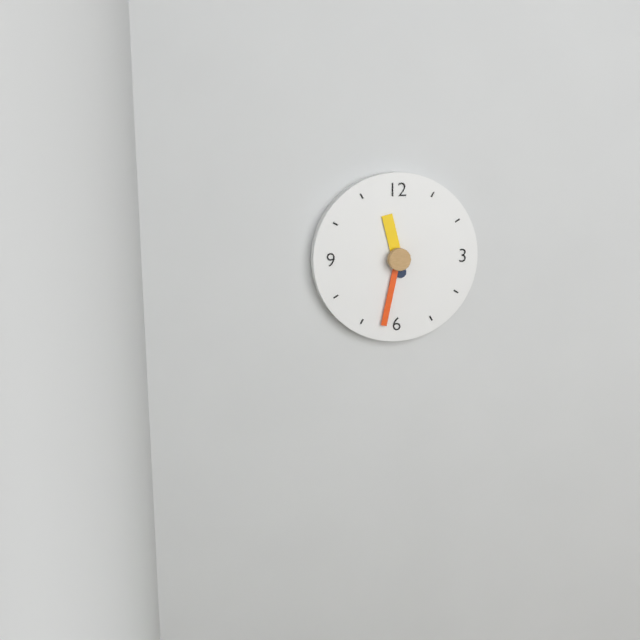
11:32
